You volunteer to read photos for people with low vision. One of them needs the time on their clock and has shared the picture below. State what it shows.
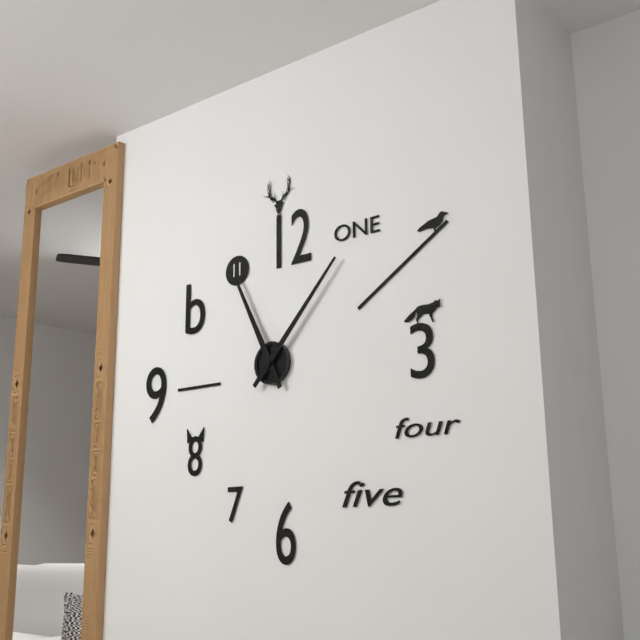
11:07
